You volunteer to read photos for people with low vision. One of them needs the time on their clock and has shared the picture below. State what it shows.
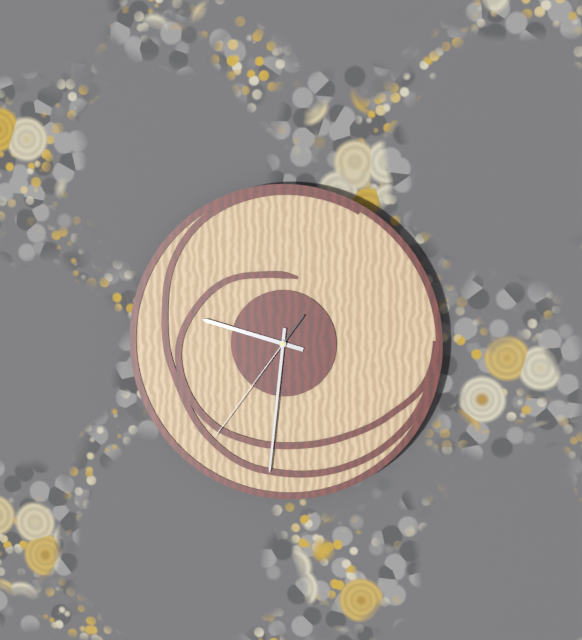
9:31:36
